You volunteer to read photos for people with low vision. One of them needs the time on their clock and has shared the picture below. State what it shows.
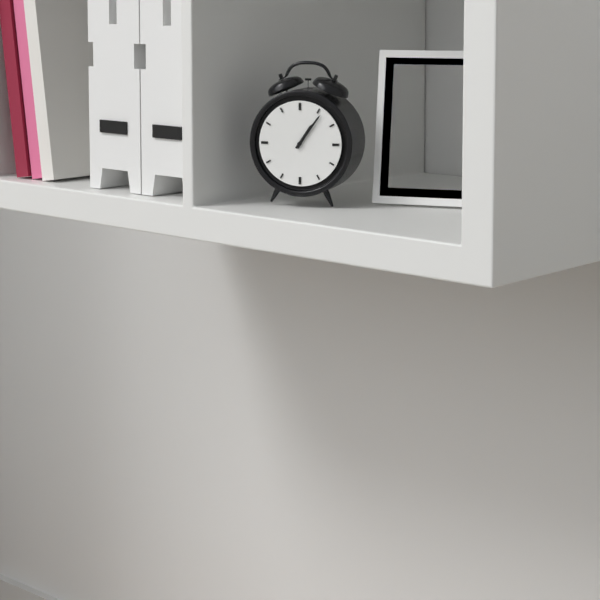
1:06
